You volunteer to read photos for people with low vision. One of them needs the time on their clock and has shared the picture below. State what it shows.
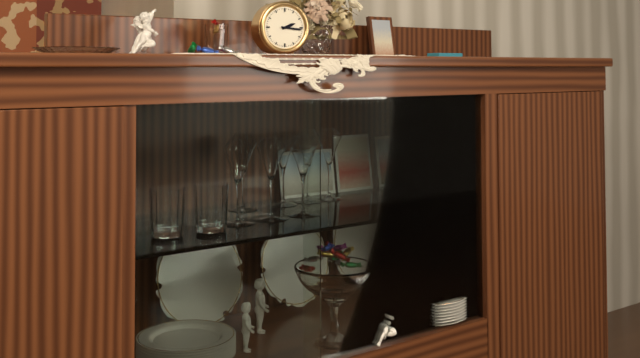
2:16
